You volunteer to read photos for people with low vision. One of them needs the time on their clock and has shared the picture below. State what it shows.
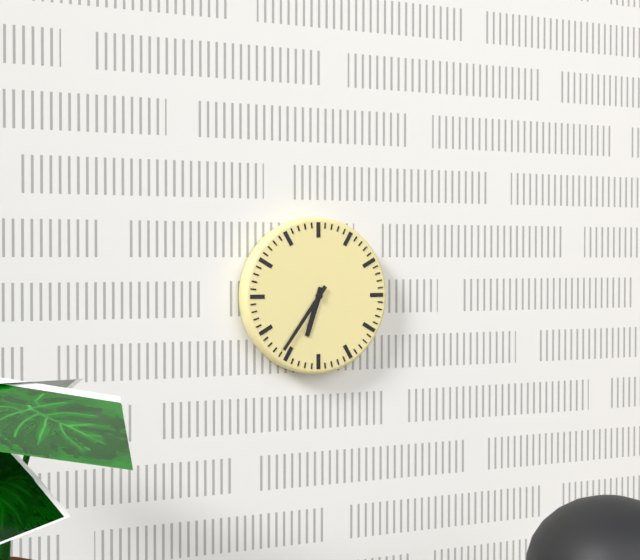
6:36
